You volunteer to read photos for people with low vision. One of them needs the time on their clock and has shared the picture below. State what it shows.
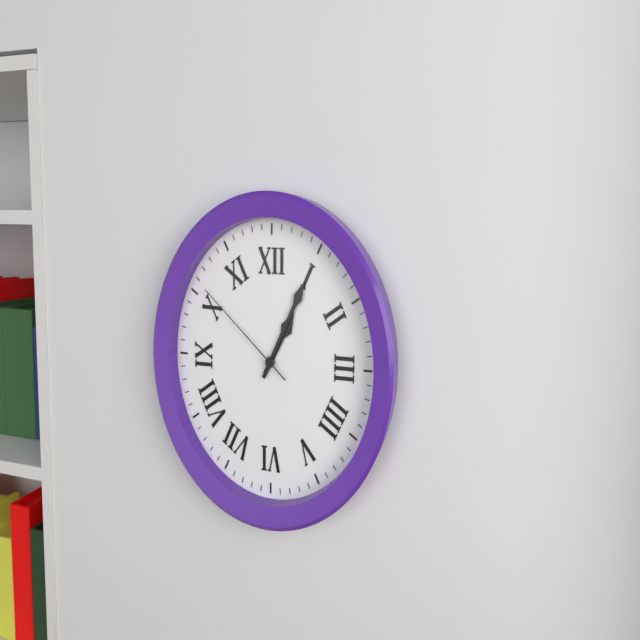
1:05:51
